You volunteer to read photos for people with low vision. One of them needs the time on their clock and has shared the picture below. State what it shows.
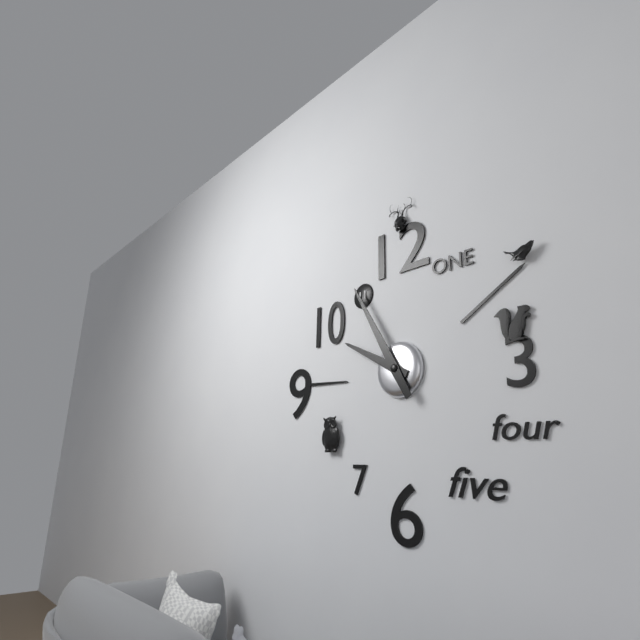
9:55
